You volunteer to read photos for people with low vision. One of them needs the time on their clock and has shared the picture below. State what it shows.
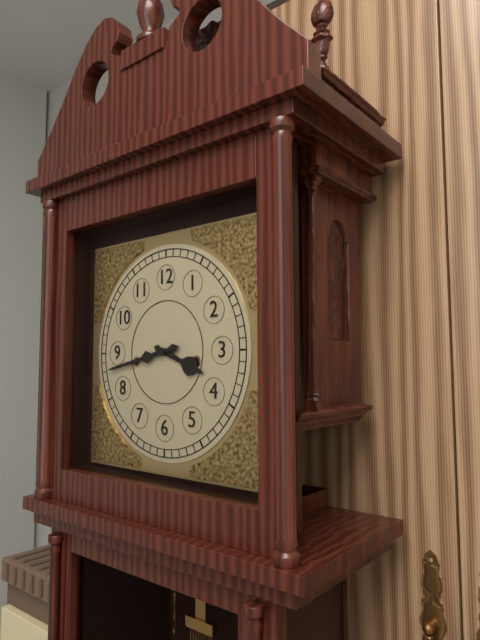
3:43
